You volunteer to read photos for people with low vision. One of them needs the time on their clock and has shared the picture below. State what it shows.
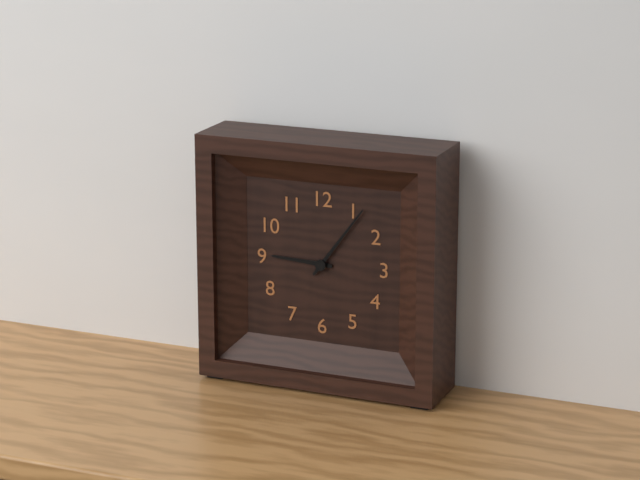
9:06
